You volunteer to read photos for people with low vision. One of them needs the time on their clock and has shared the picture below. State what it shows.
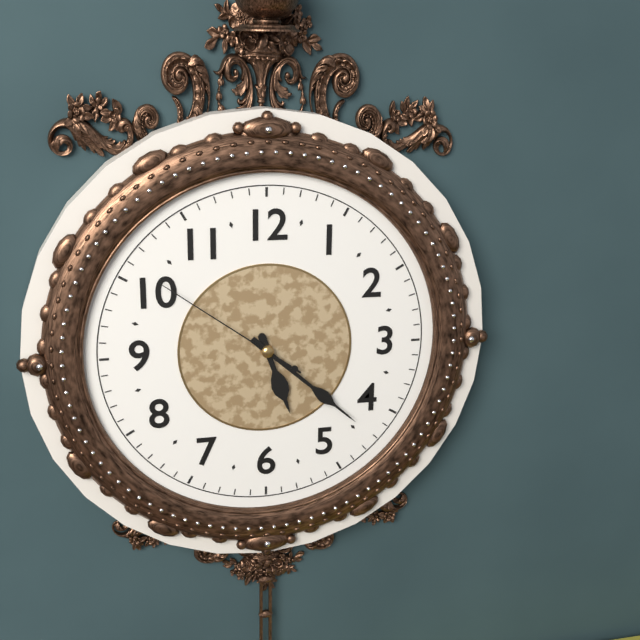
5:22:51
